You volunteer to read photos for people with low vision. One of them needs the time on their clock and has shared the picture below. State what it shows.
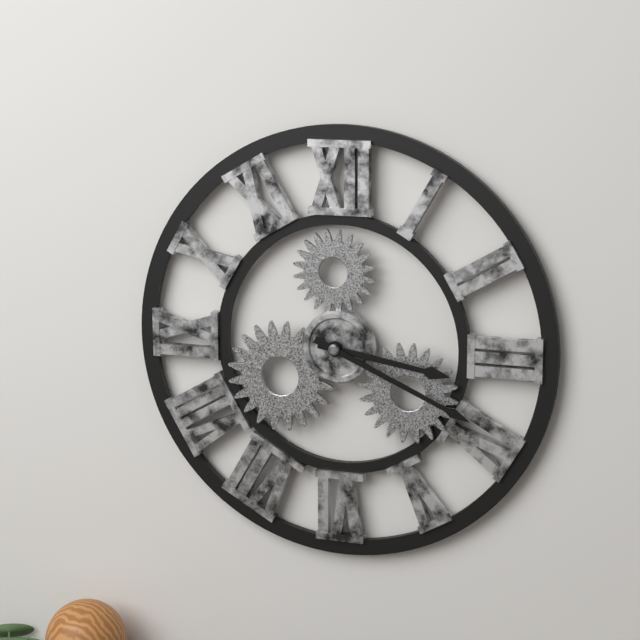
3:19
